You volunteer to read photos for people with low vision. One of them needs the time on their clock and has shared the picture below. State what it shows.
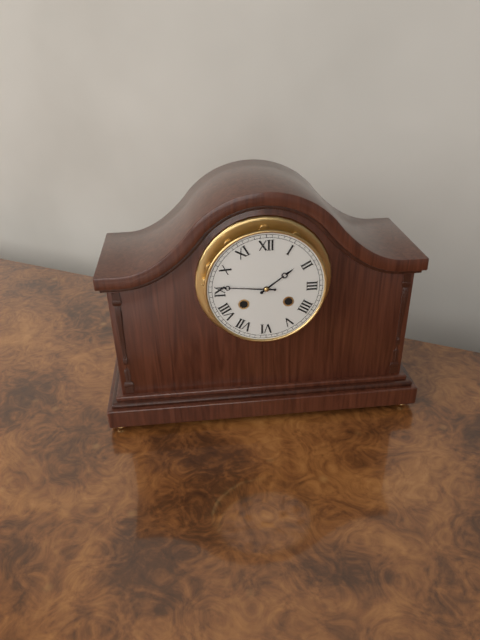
1:46
